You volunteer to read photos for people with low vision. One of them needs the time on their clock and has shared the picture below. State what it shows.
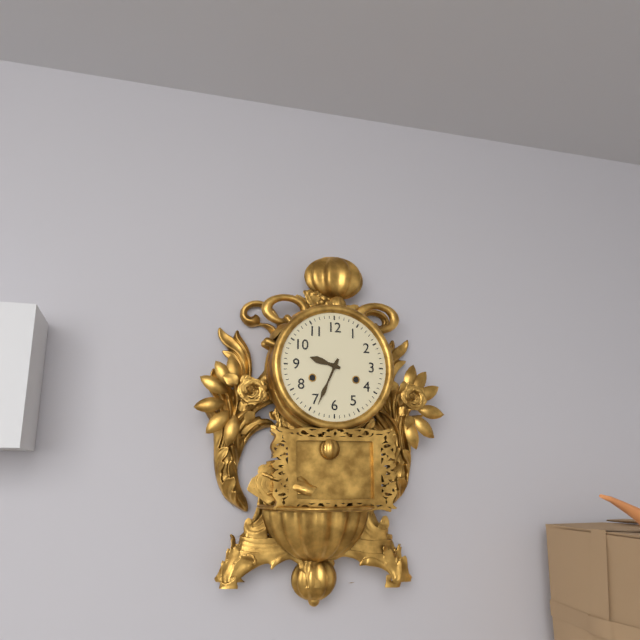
9:34
